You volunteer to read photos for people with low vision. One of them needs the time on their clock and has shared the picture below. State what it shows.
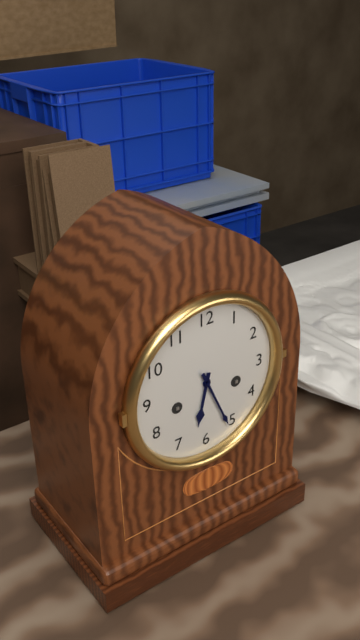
6:26
